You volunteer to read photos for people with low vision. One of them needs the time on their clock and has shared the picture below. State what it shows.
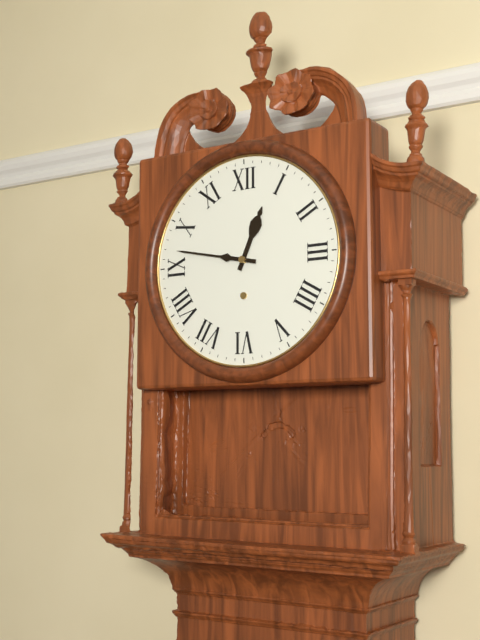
12:47
